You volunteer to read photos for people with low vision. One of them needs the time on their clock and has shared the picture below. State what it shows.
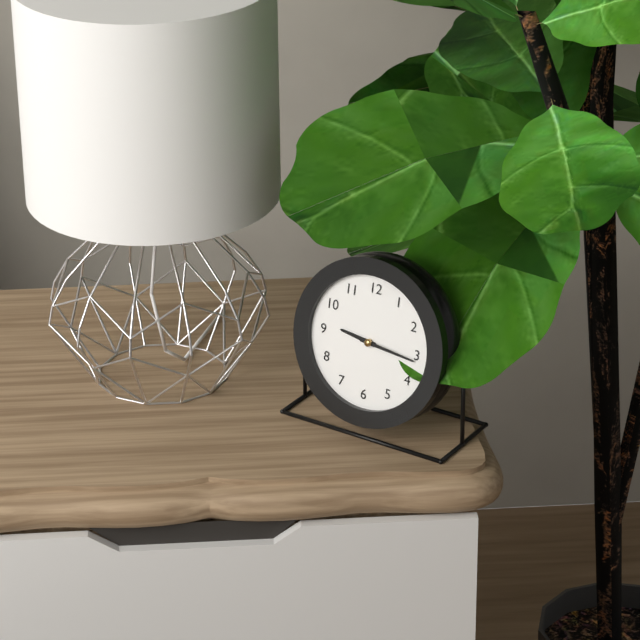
9:16
